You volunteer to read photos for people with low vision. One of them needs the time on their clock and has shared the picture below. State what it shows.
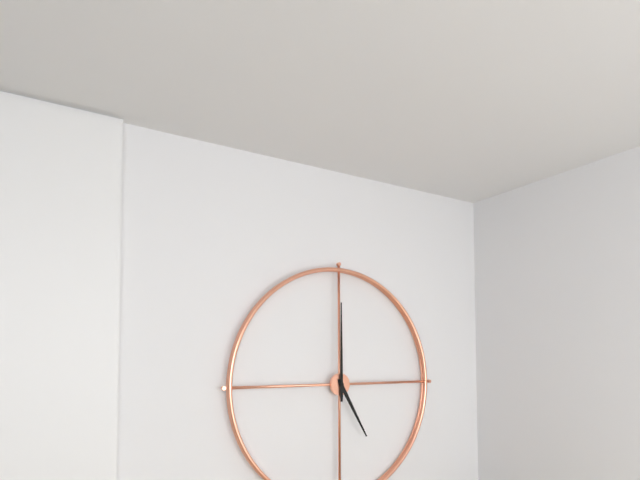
5:00
